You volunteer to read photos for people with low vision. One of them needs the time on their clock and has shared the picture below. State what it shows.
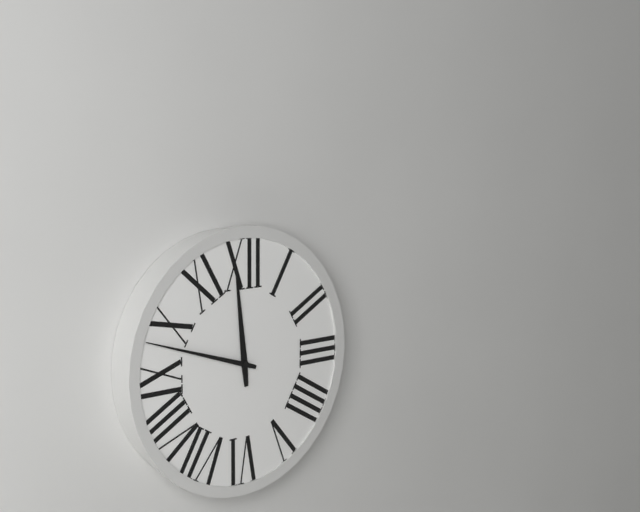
11:48
